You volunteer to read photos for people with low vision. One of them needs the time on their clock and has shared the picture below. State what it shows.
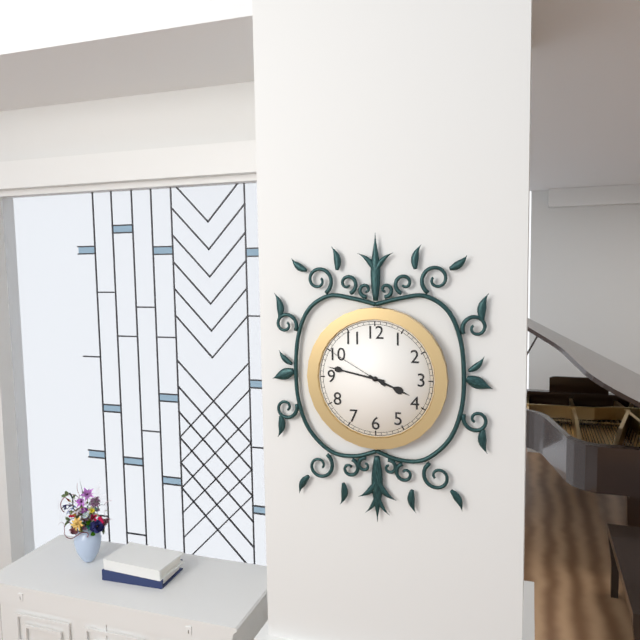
3:47:50
